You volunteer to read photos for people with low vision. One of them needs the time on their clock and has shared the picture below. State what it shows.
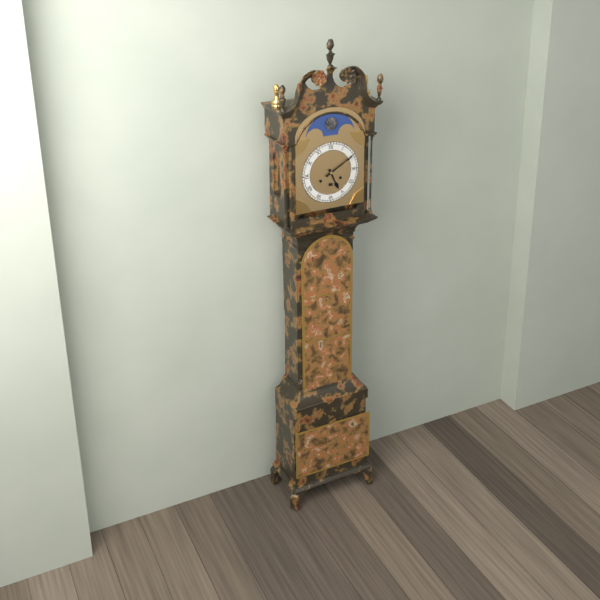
5:10
